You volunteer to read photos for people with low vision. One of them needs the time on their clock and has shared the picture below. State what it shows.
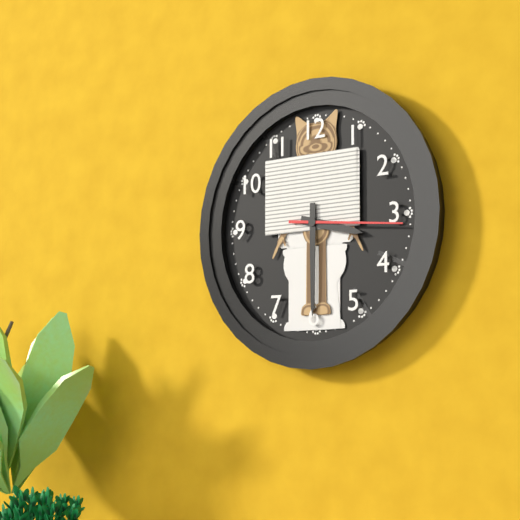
3:30:16
